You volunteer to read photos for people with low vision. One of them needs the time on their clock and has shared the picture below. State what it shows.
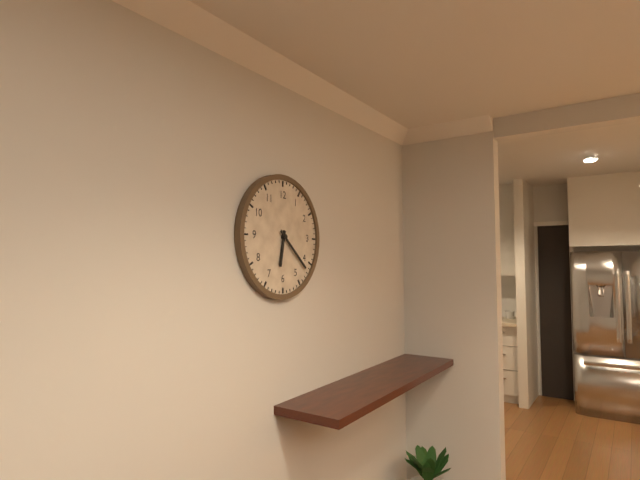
6:22
